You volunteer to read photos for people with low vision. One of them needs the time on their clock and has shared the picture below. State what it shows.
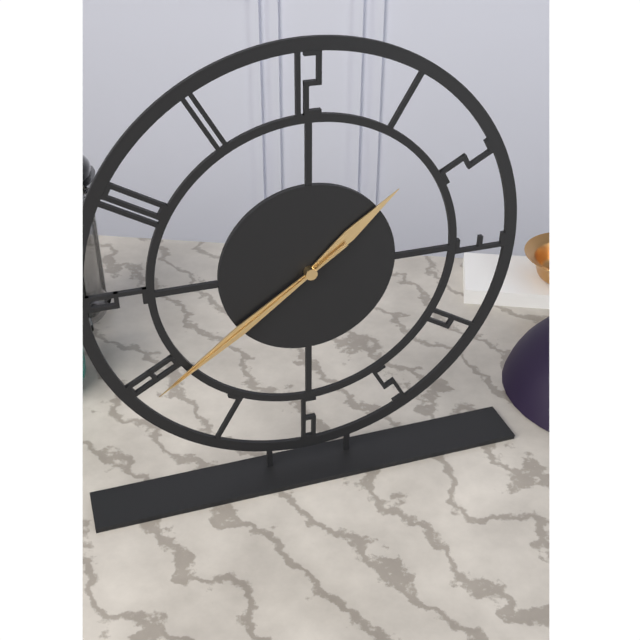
1:39:39
